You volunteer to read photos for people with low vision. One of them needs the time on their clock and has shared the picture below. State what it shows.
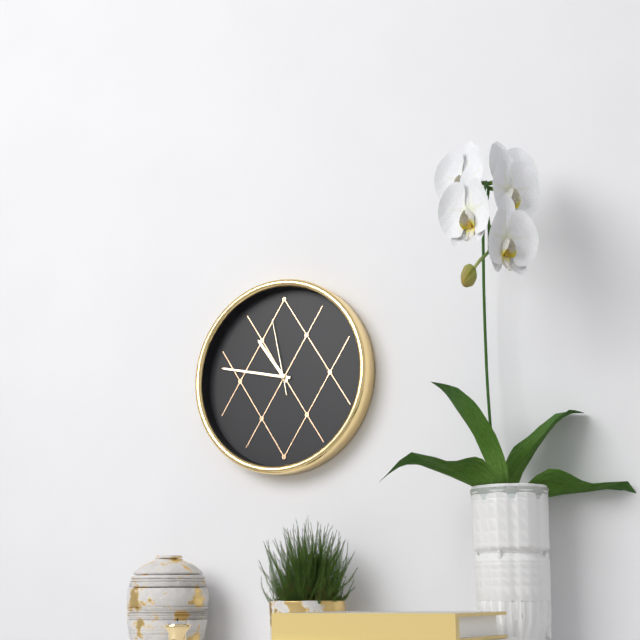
10:47:58
